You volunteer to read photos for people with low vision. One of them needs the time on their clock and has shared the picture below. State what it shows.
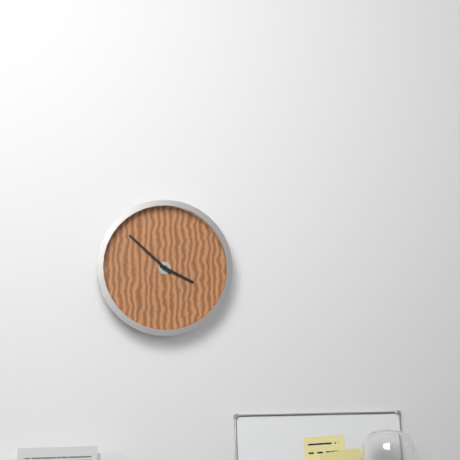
3:52
